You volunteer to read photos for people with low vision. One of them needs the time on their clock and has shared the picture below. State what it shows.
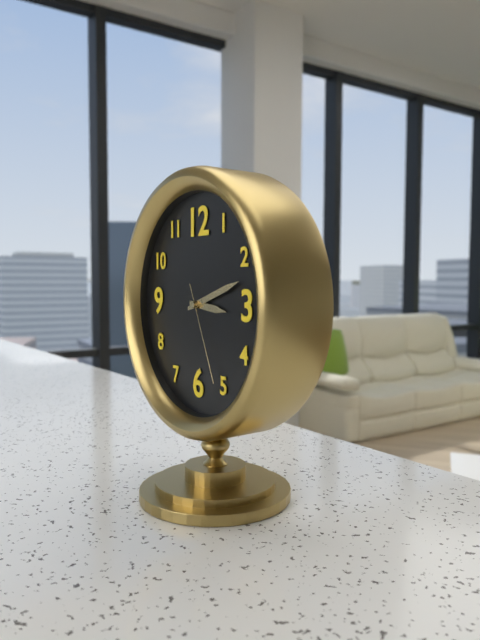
3:12:26
